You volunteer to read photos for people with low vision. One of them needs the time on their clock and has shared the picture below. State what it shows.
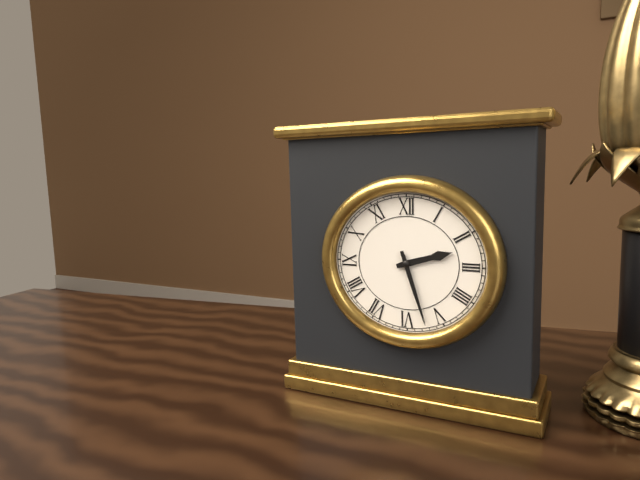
2:27
